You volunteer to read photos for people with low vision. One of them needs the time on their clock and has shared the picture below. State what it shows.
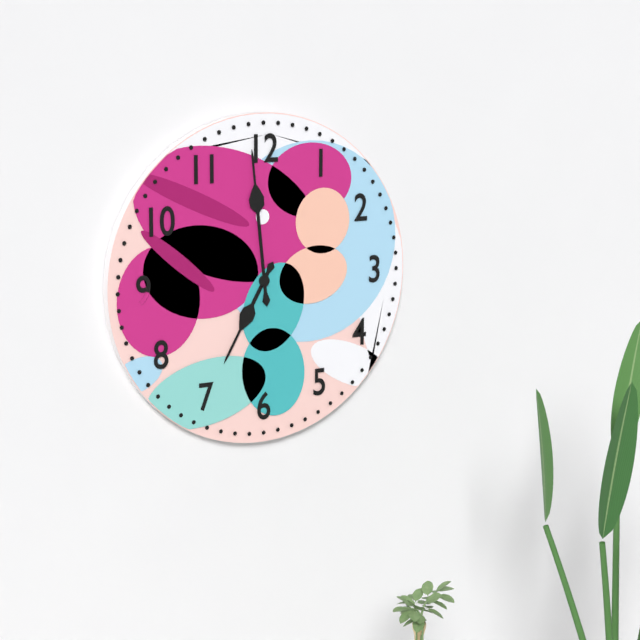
6:59
